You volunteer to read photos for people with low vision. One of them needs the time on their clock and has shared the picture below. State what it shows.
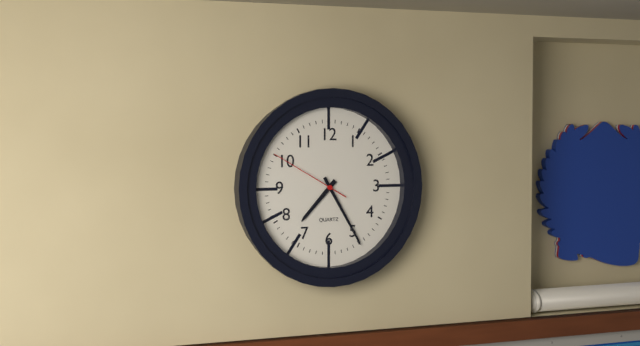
7:25:50
